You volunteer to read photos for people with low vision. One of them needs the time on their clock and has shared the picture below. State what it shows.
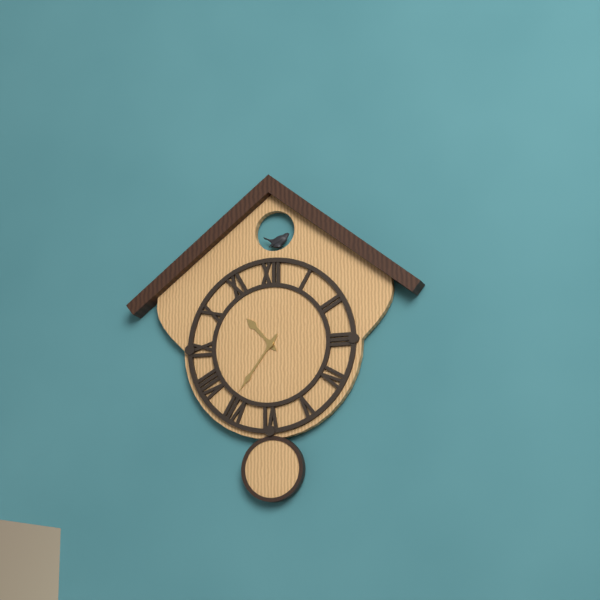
10:36
